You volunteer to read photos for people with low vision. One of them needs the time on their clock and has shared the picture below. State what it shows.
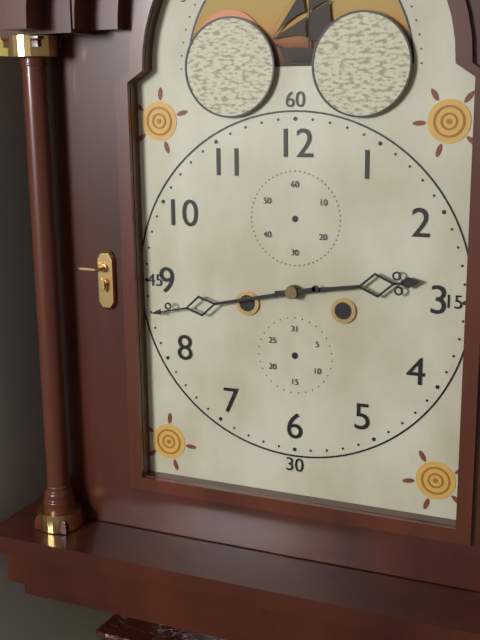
2:43
